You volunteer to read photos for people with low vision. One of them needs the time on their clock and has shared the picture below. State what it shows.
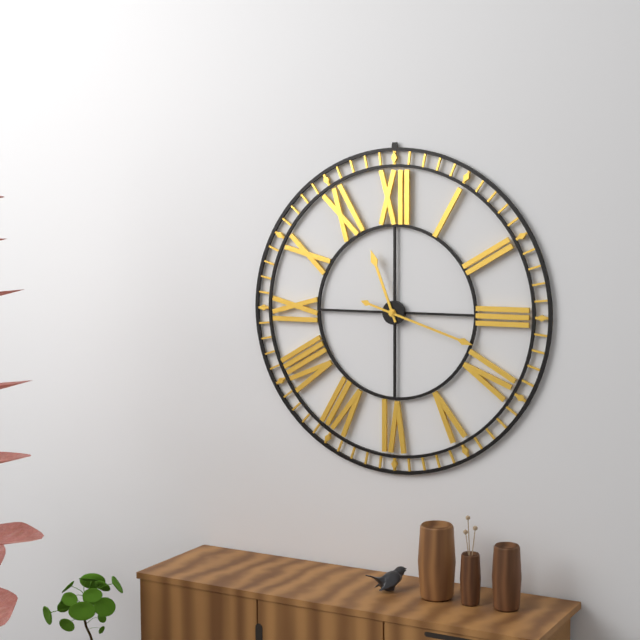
11:18
